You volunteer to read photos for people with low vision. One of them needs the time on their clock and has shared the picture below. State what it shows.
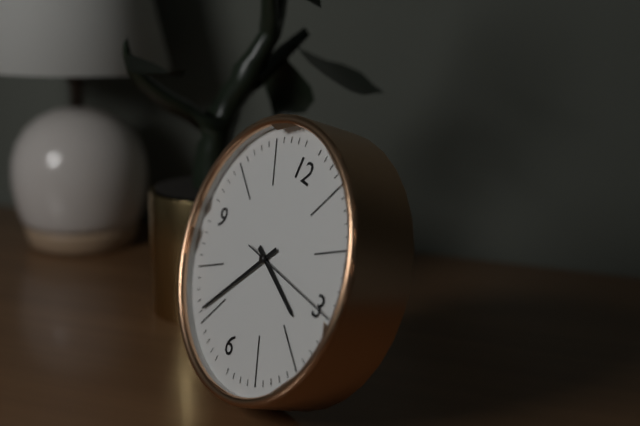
3:36:15
